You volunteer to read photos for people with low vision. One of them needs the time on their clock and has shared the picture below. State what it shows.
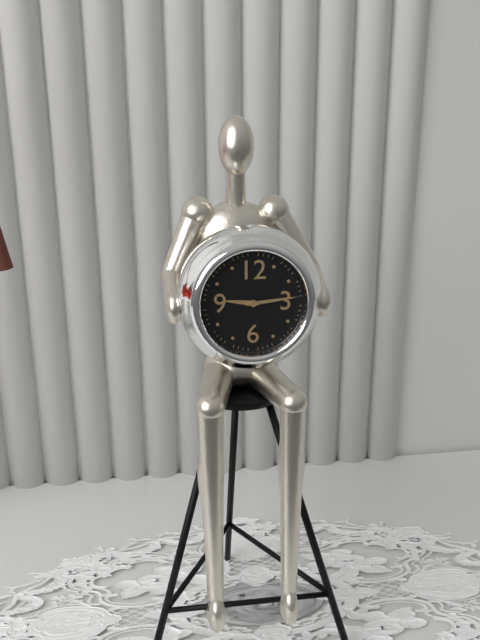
9:14
